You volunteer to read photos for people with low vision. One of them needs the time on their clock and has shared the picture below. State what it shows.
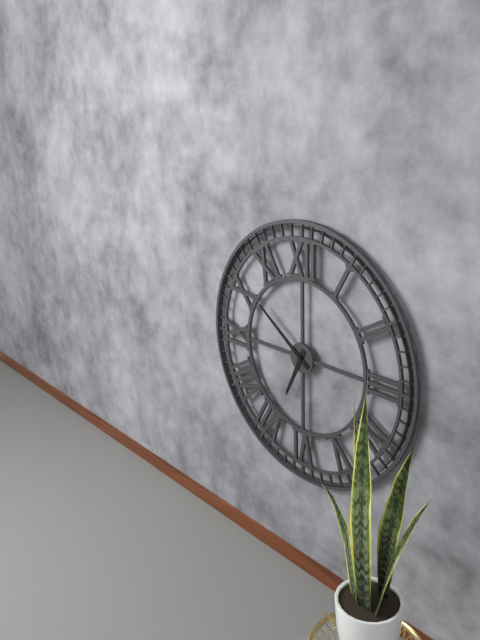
6:51
